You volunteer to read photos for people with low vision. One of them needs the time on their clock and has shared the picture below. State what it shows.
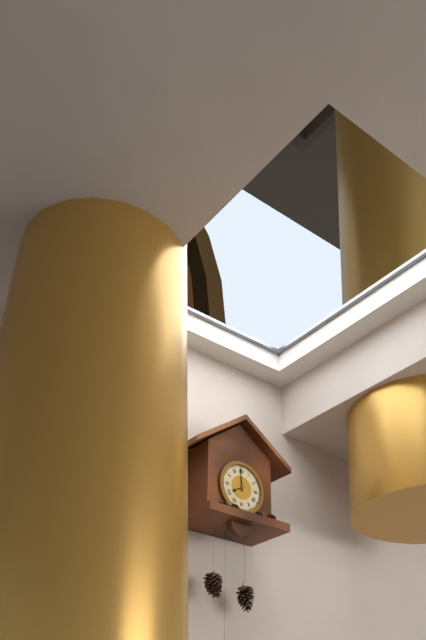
7:59
